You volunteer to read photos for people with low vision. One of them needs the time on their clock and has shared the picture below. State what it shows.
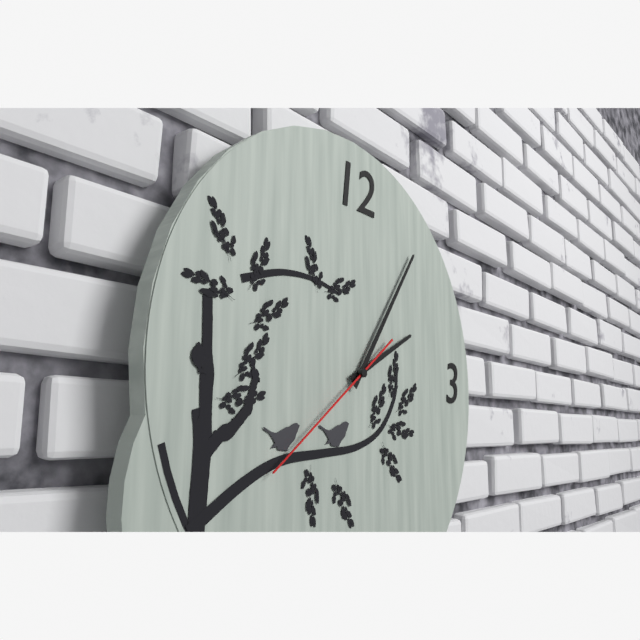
2:06:39
